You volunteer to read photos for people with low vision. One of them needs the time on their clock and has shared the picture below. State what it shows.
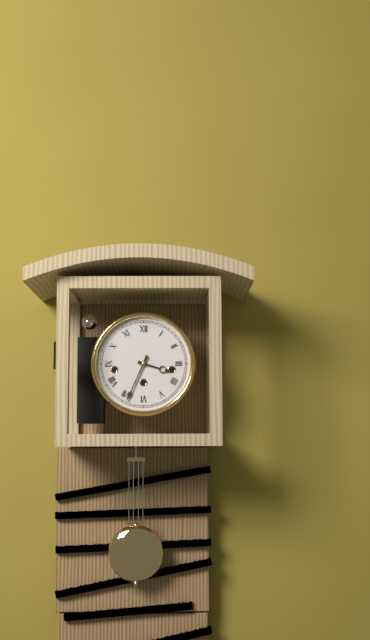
3:34
